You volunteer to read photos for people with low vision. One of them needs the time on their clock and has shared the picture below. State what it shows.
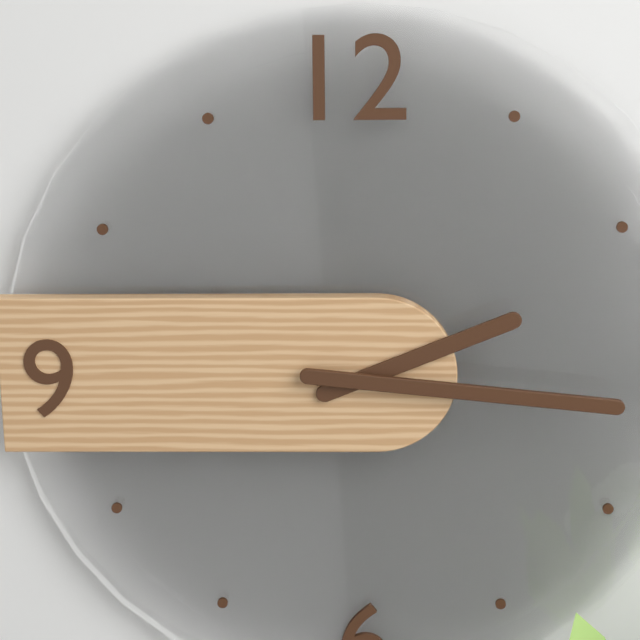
2:16
